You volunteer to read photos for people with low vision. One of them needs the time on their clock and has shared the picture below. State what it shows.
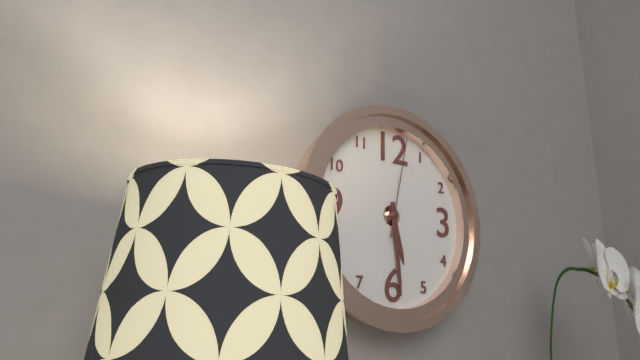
5:29:02
